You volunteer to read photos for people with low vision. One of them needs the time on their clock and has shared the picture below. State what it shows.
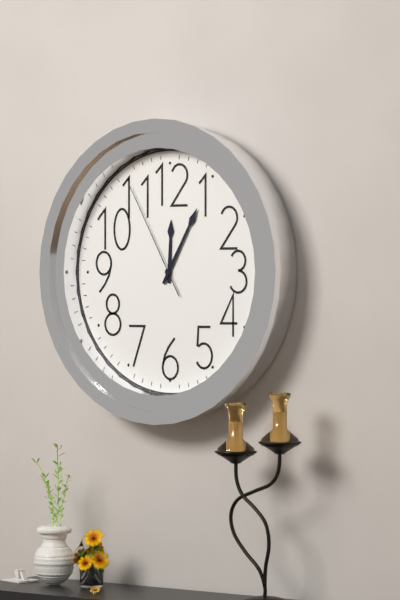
12:05:55
